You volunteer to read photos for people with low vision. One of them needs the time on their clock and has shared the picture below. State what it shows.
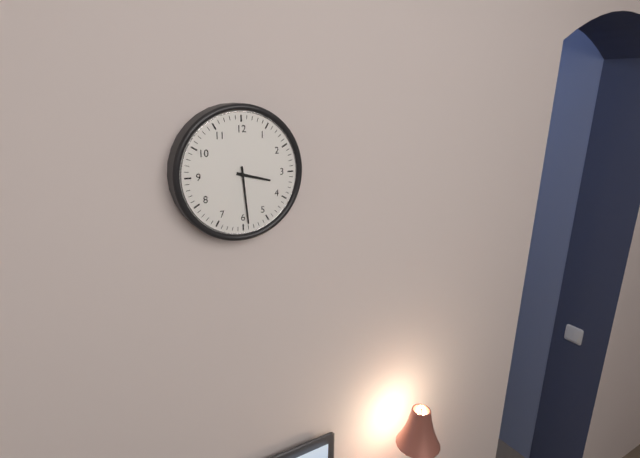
3:29
